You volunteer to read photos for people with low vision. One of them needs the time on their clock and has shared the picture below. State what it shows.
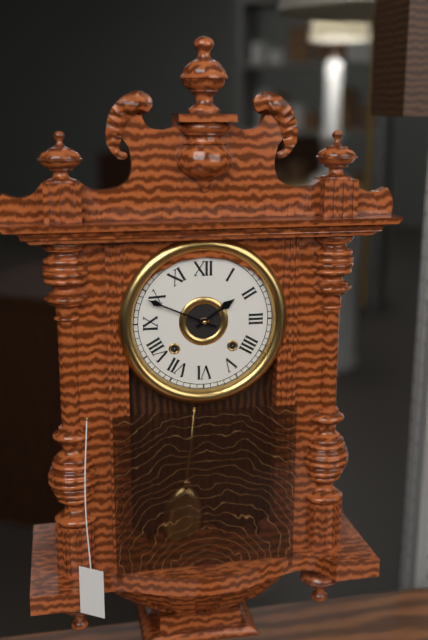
1:49
